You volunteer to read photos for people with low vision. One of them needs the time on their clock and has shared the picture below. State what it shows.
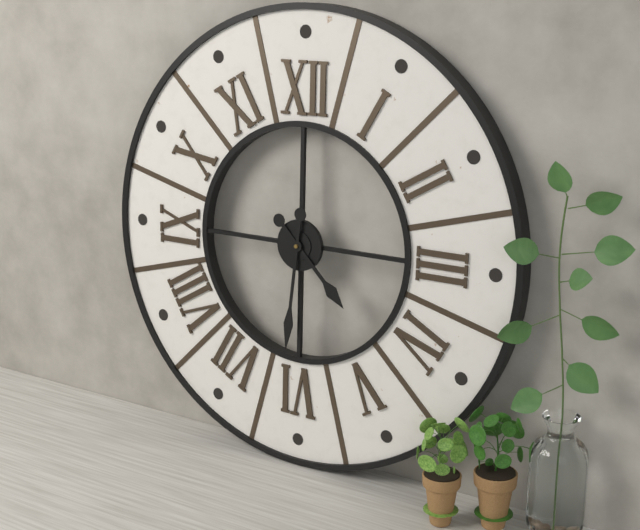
4:31
